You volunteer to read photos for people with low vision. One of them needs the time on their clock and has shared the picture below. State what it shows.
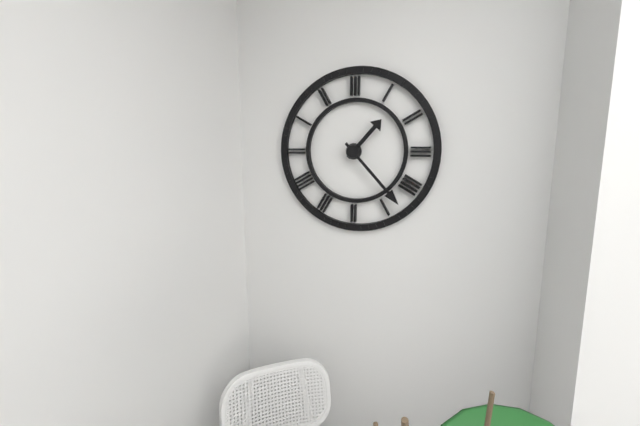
1:23
